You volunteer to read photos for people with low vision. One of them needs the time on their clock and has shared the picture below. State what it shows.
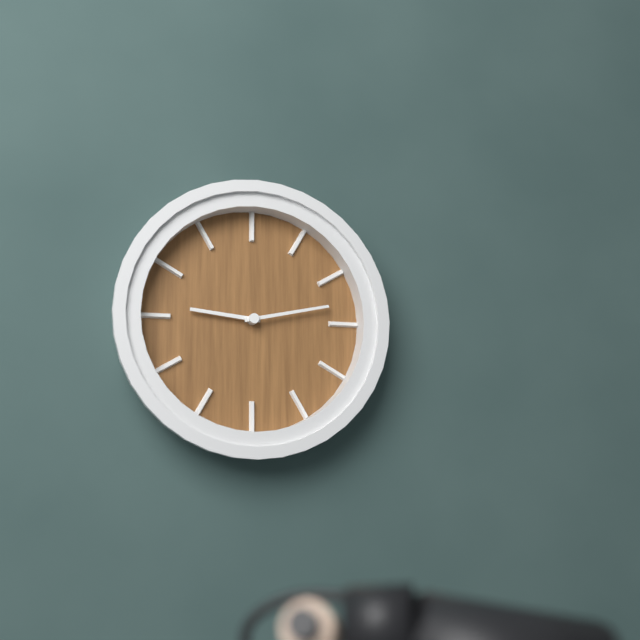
9:13
